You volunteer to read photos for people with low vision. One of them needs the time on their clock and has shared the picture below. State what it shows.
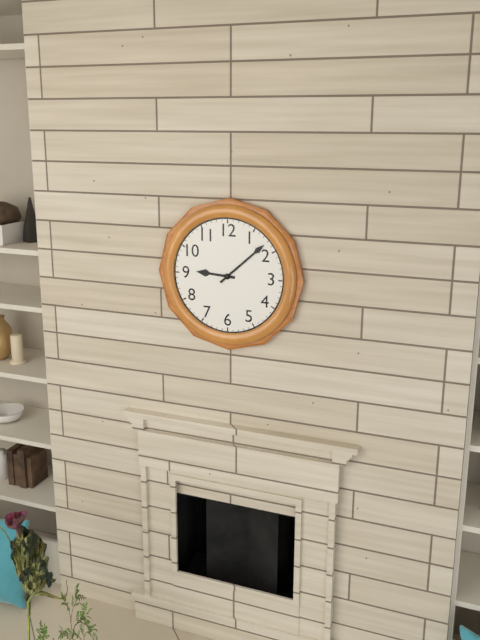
9:08
